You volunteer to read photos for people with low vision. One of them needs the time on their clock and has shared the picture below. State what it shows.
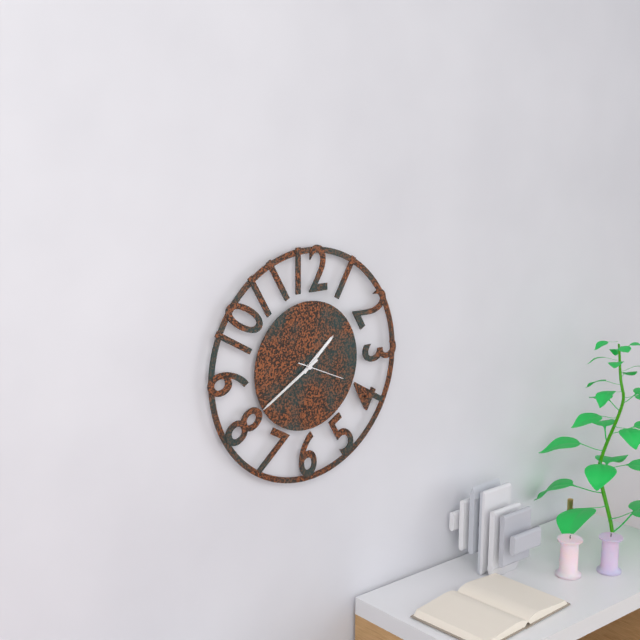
1:40:19
